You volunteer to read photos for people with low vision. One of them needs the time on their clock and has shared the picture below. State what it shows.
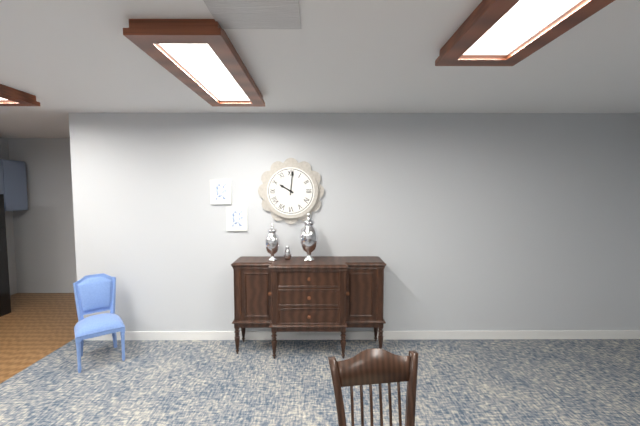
10:01
